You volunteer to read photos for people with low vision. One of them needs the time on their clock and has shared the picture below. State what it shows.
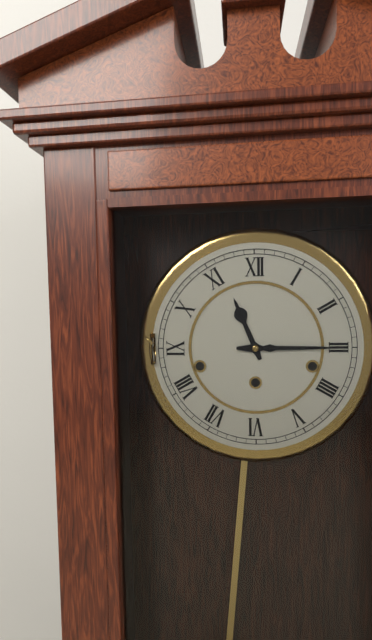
11:15
